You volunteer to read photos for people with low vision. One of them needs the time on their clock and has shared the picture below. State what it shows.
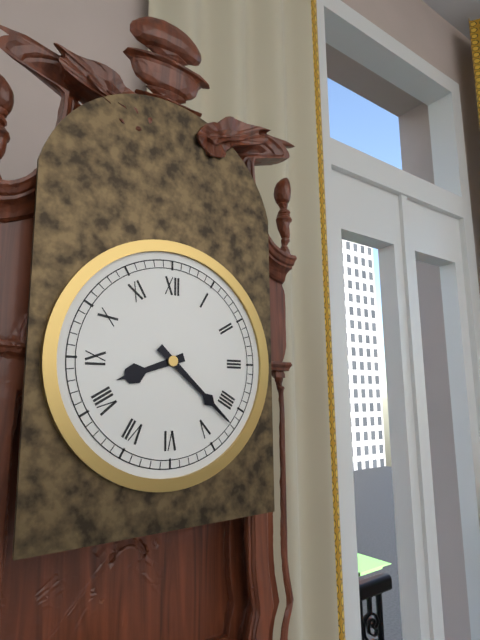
8:22
